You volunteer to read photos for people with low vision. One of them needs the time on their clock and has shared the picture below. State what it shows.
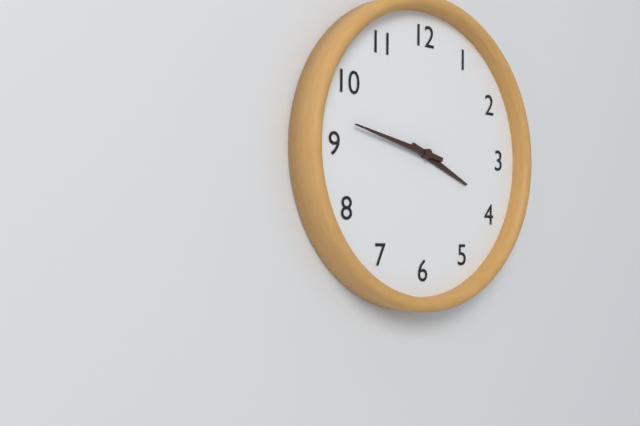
3:47
